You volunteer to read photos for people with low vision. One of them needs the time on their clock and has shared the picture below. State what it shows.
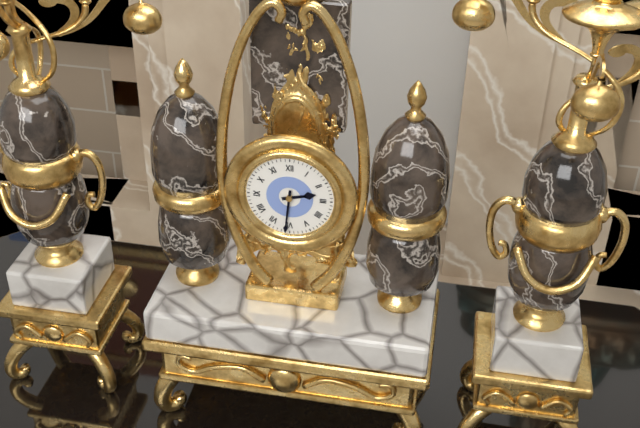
2:31
